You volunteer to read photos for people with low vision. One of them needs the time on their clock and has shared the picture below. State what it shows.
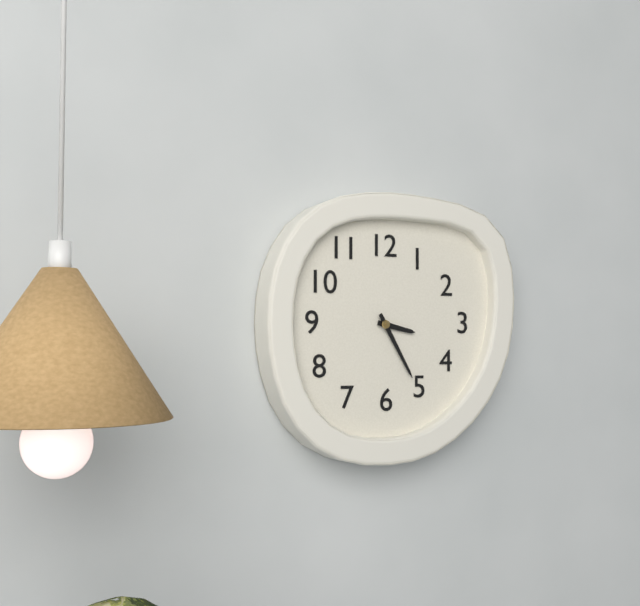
3:25
